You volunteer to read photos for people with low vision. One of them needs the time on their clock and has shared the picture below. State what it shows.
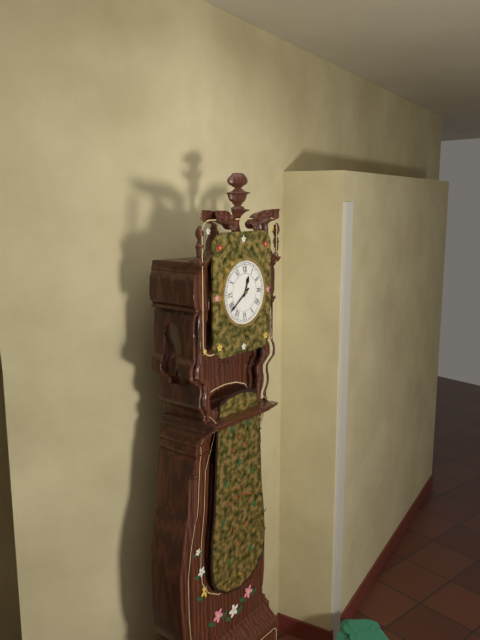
12:39
